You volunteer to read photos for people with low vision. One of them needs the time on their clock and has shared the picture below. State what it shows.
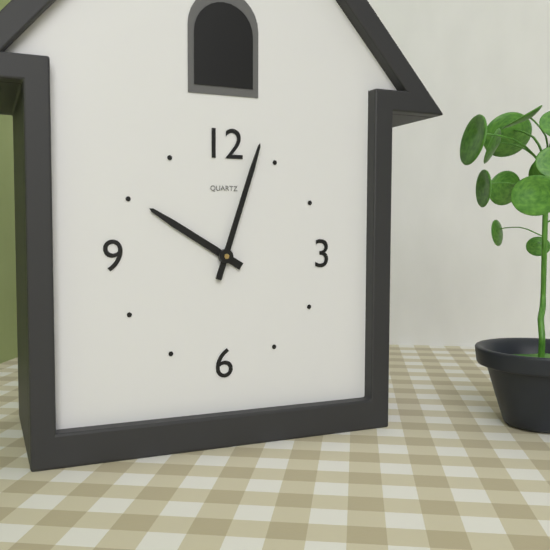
10:03
